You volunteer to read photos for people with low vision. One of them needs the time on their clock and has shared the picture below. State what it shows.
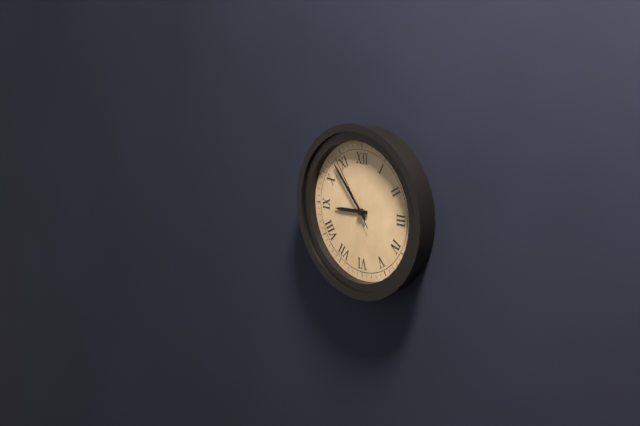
8:53:54
